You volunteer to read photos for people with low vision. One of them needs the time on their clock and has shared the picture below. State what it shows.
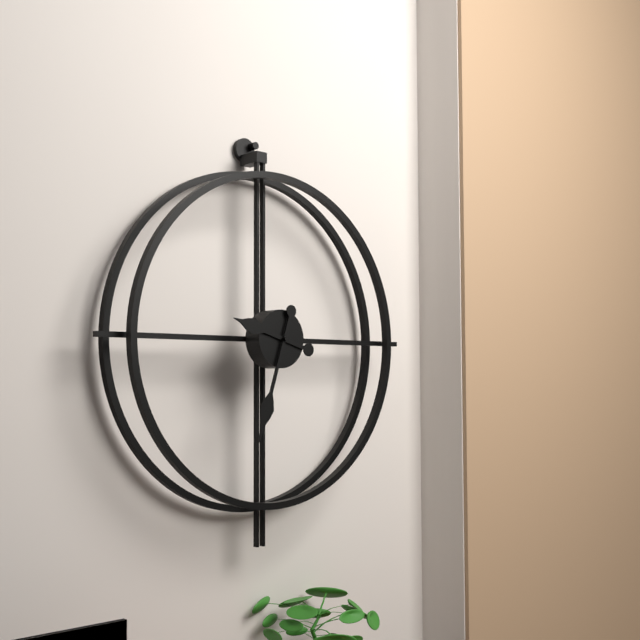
9:33
